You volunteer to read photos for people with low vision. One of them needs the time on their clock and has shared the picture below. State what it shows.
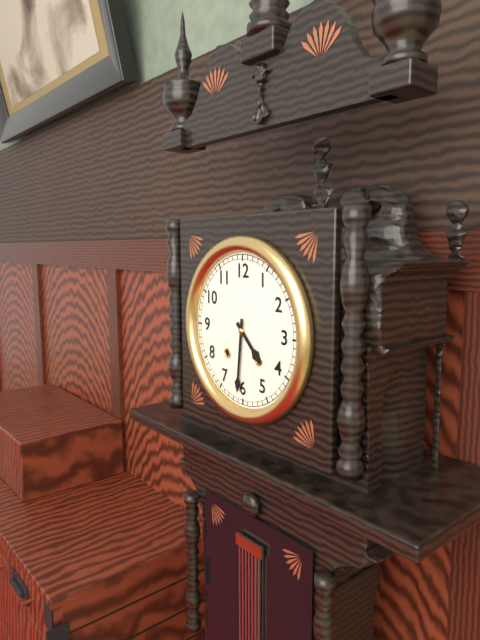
4:31
